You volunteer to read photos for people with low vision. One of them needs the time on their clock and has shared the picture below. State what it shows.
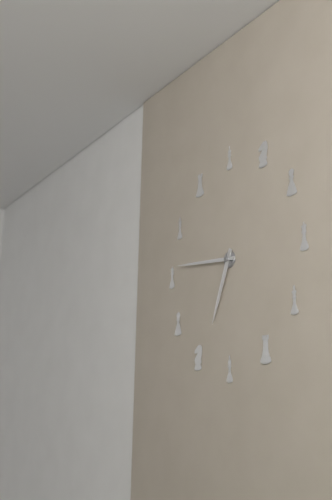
6:46
